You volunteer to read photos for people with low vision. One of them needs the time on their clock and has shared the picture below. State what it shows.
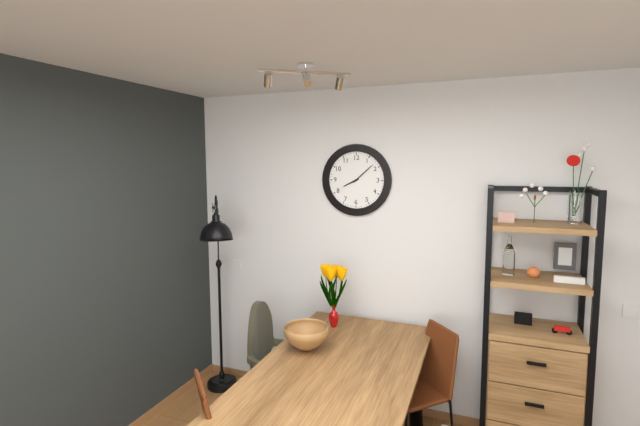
8:08
